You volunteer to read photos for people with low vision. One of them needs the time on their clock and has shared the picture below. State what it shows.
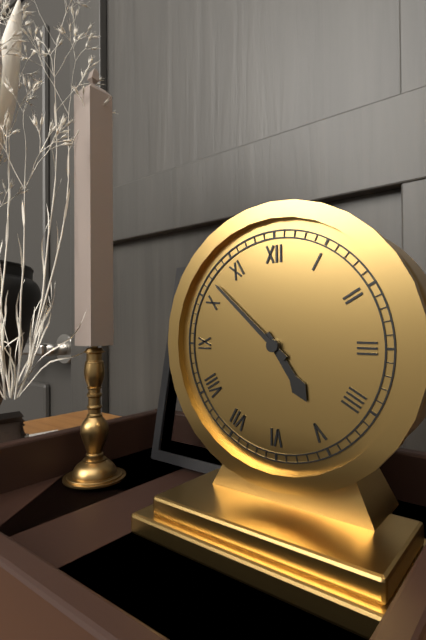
4:52
